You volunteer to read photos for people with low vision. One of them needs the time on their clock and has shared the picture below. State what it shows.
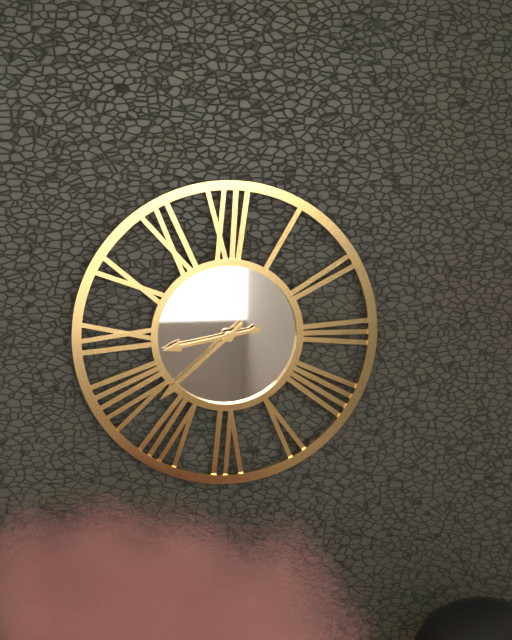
8:38
